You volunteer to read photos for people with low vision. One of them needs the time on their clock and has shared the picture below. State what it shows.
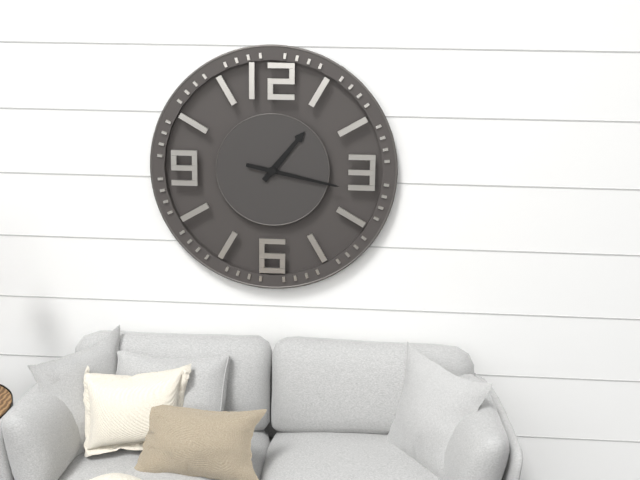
1:17
